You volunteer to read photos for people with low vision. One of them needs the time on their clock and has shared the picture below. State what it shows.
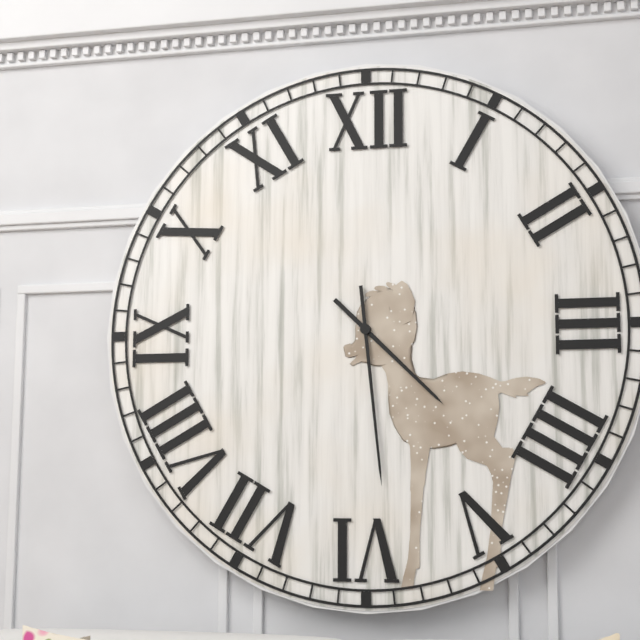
4:29
